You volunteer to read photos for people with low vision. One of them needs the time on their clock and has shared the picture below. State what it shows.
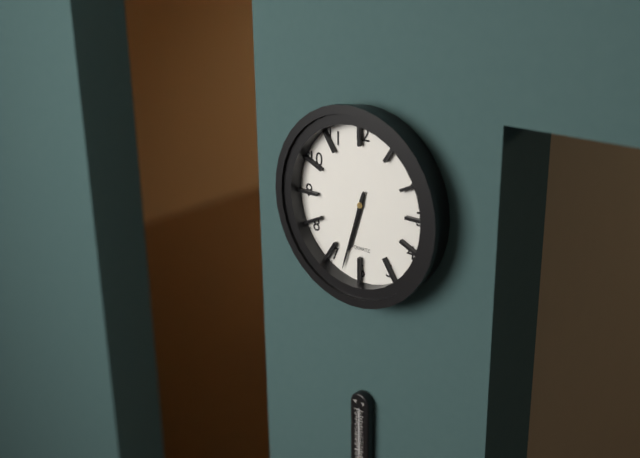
6:33
